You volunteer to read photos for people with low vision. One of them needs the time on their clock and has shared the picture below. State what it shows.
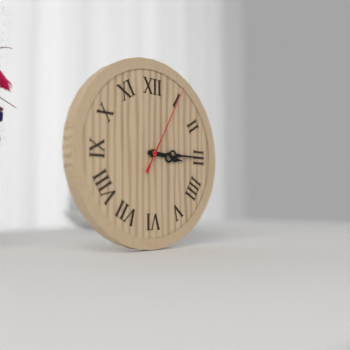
3:15:05
